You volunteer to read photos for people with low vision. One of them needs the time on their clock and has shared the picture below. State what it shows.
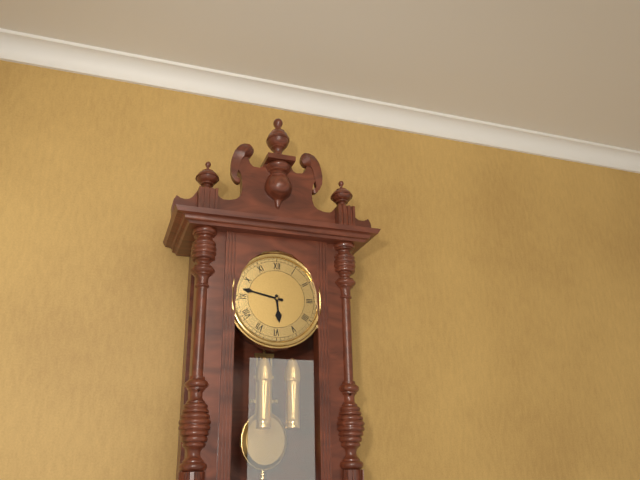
5:47
